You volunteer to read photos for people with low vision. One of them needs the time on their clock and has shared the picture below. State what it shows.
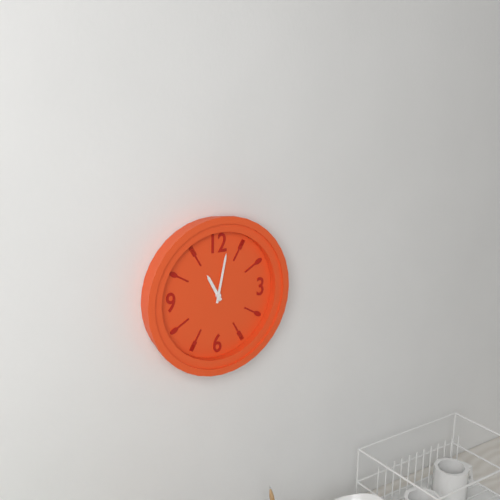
11:02
